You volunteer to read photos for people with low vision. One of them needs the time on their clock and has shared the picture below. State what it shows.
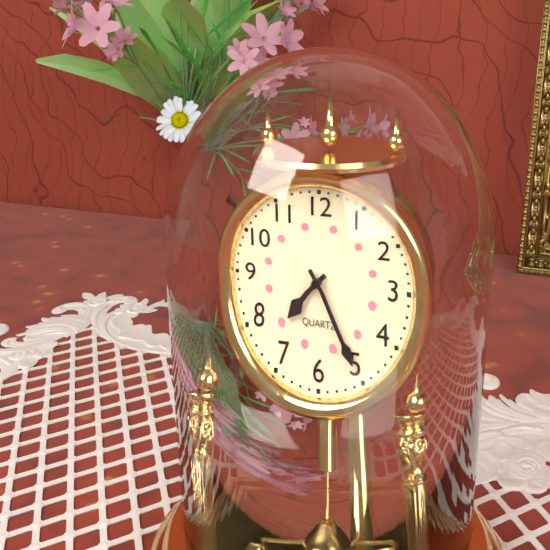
7:25
